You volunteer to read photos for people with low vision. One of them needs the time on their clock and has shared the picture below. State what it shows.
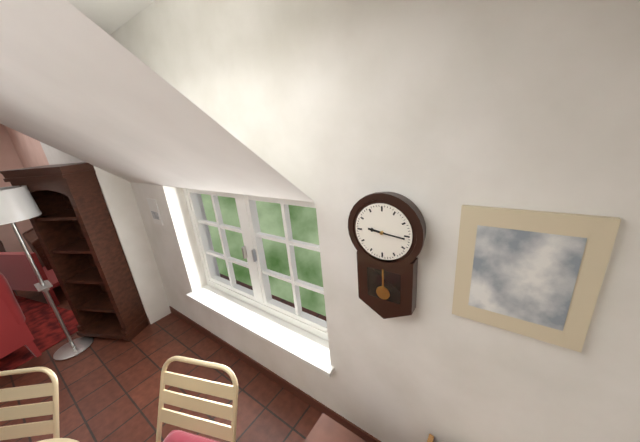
9:16
